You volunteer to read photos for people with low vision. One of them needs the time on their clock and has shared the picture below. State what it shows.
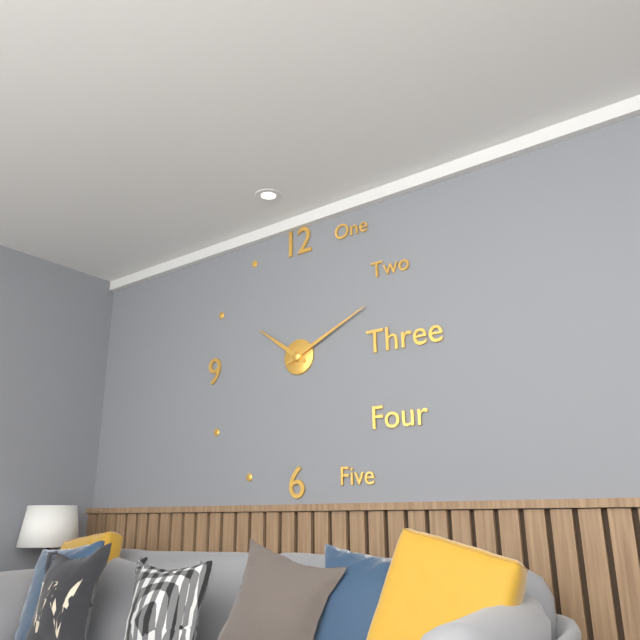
10:11
